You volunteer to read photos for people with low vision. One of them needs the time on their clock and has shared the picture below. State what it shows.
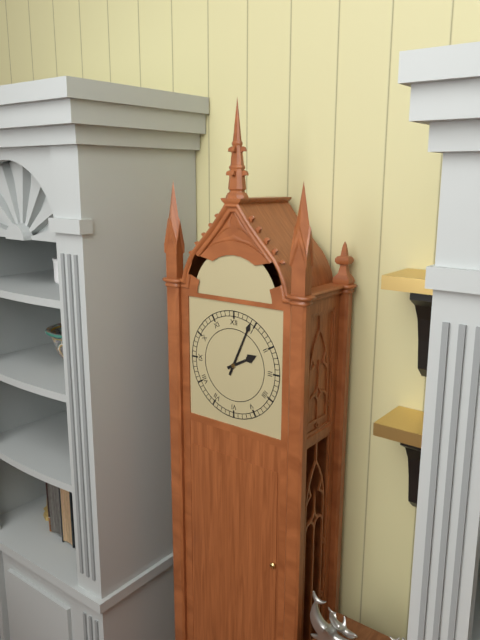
2:04
